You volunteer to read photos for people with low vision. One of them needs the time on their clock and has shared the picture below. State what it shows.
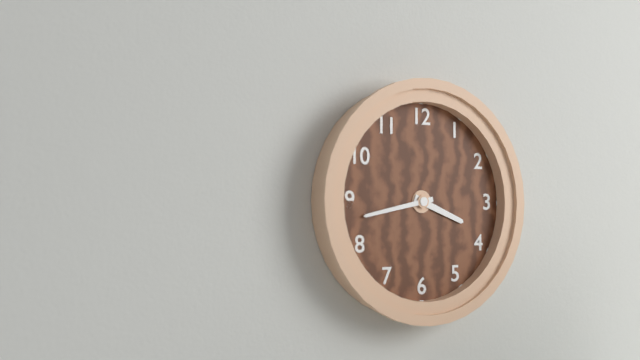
3:43
